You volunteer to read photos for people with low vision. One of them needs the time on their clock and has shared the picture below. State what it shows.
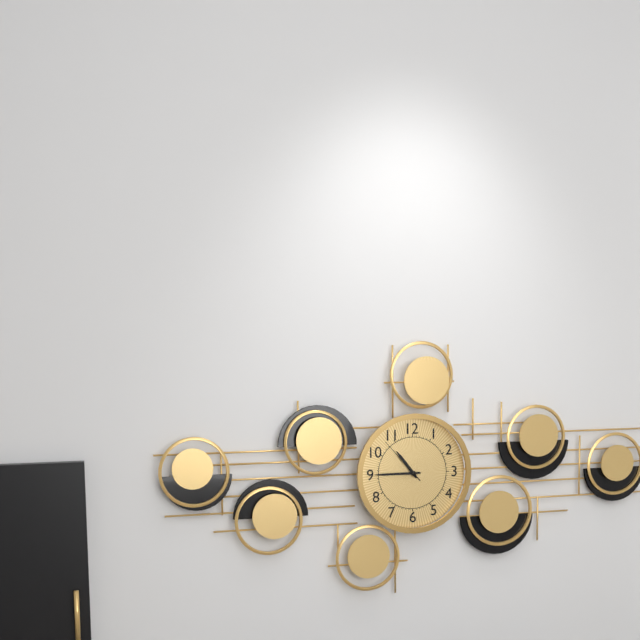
10:45:53
